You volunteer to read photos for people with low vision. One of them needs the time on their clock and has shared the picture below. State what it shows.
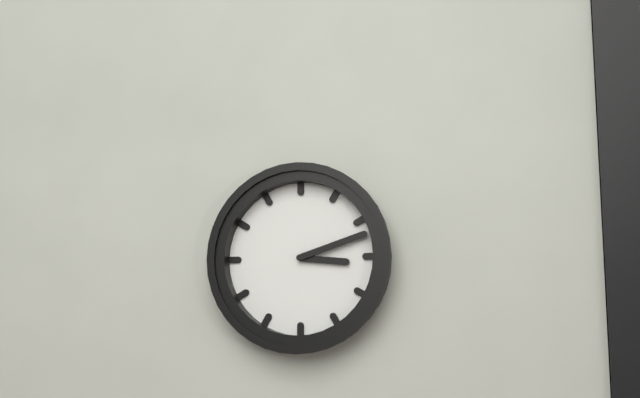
3:12
